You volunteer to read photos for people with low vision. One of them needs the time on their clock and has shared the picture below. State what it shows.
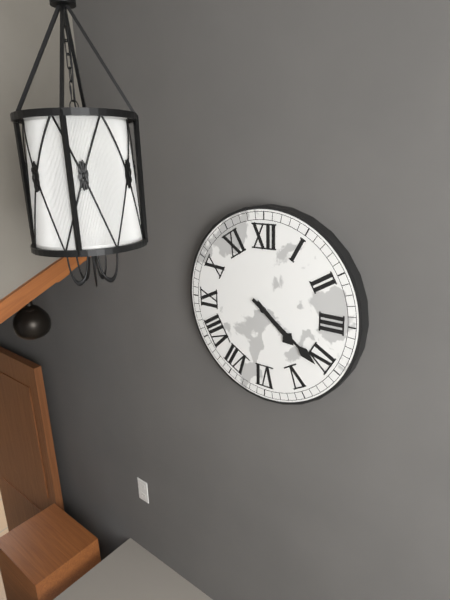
4:21
